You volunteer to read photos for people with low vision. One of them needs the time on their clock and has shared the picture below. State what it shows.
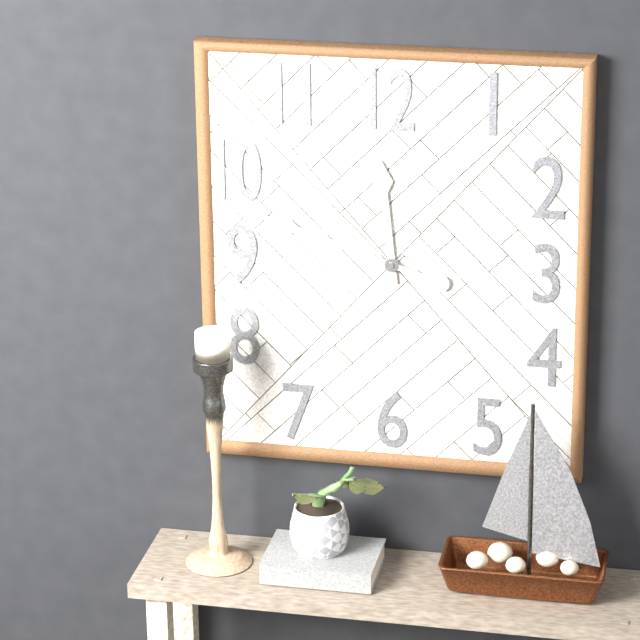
11:48
